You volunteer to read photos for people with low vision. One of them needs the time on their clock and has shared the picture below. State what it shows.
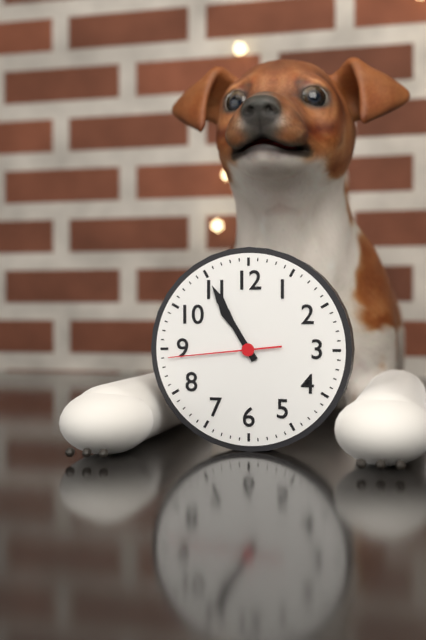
10:55:44
